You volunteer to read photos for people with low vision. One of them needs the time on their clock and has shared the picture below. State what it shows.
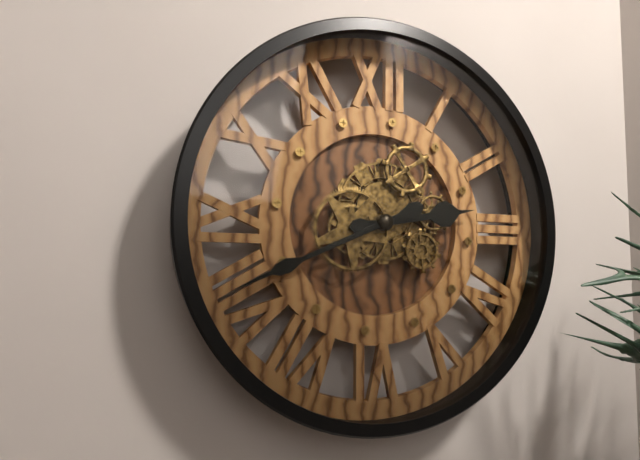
2:41
